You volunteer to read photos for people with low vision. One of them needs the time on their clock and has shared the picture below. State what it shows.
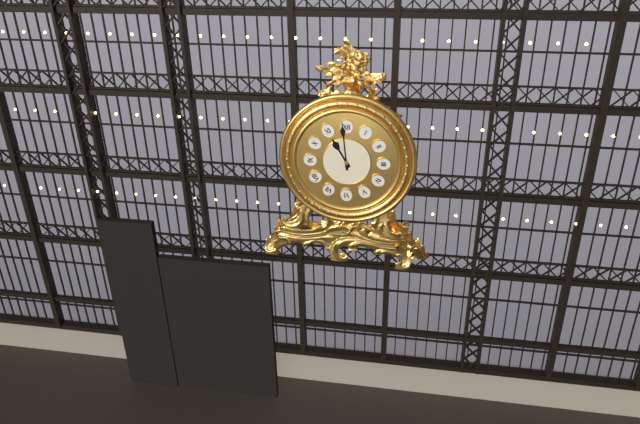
10:59
